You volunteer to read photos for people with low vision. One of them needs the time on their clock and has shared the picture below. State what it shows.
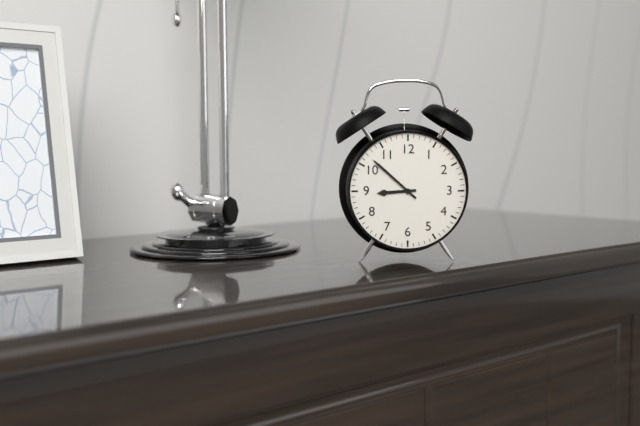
8:52
